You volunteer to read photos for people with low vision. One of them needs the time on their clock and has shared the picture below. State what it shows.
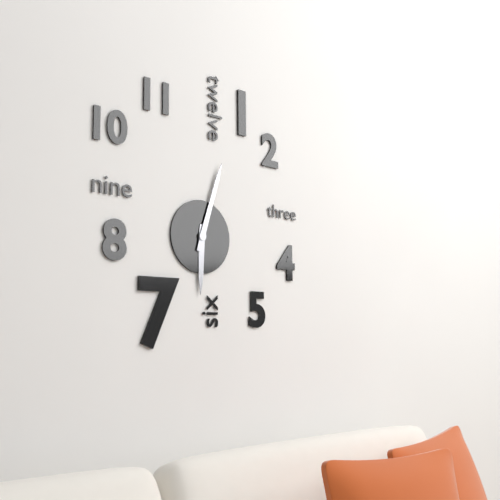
6:03
